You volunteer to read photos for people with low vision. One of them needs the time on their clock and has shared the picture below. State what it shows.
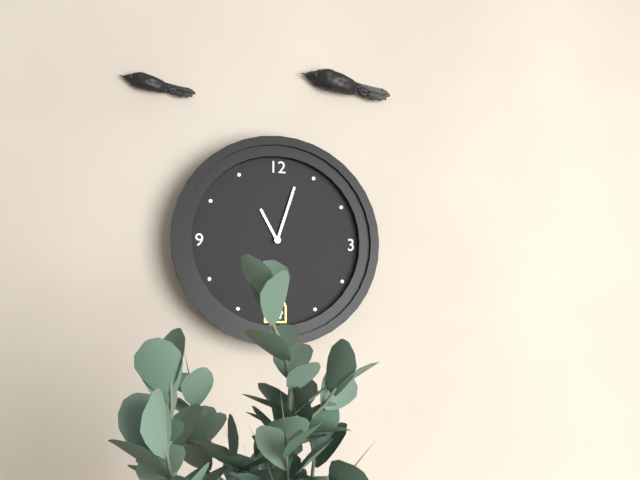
11:03
